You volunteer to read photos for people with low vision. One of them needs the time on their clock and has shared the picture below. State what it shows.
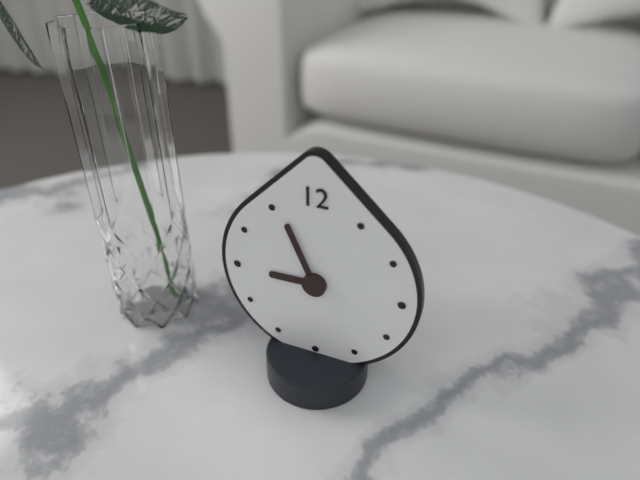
8:56
